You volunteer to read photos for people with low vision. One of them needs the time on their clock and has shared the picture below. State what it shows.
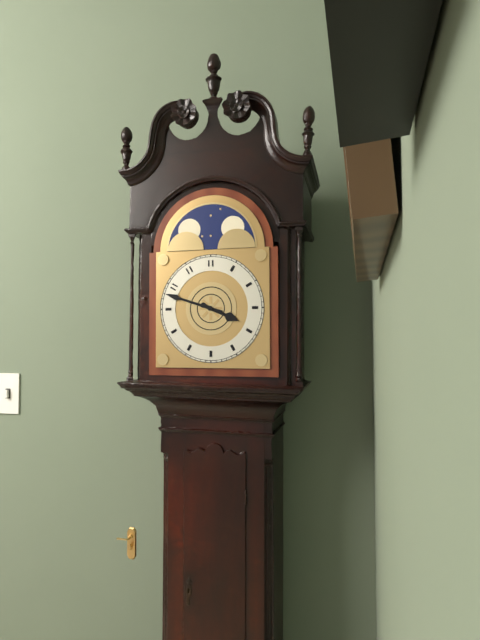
3:48
